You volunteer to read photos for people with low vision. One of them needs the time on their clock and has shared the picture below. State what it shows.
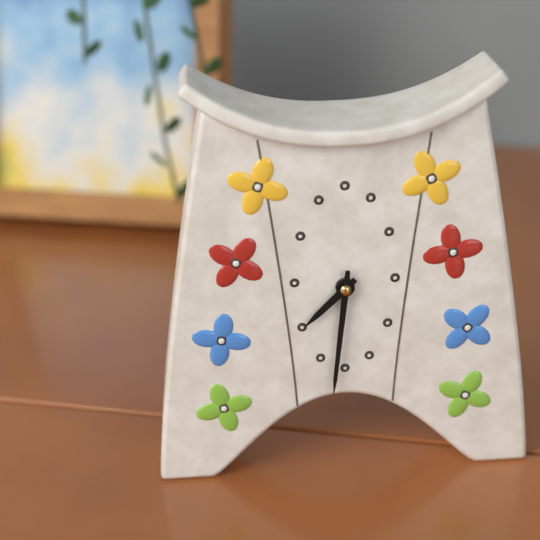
7:31
